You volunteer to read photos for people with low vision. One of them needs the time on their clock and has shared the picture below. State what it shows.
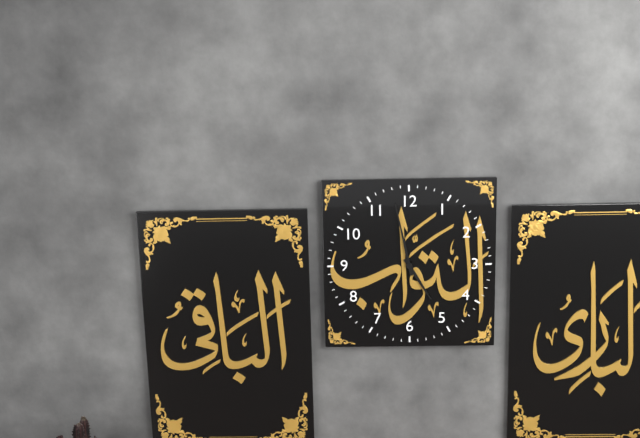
4:58
